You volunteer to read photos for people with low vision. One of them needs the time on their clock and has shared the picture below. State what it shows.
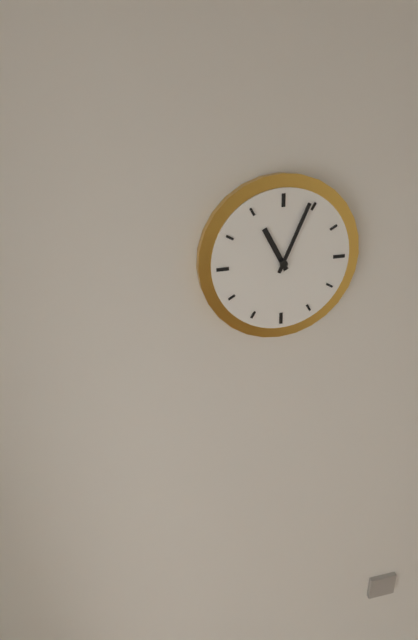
11:04
